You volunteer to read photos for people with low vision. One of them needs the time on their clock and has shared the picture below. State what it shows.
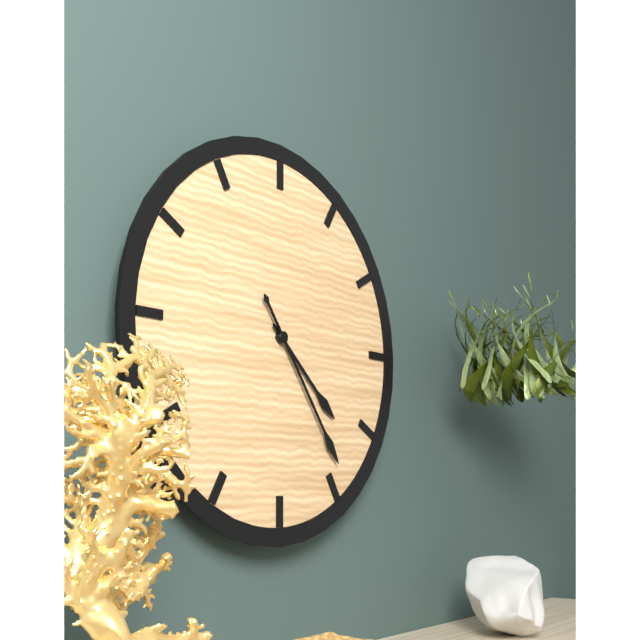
4:24
